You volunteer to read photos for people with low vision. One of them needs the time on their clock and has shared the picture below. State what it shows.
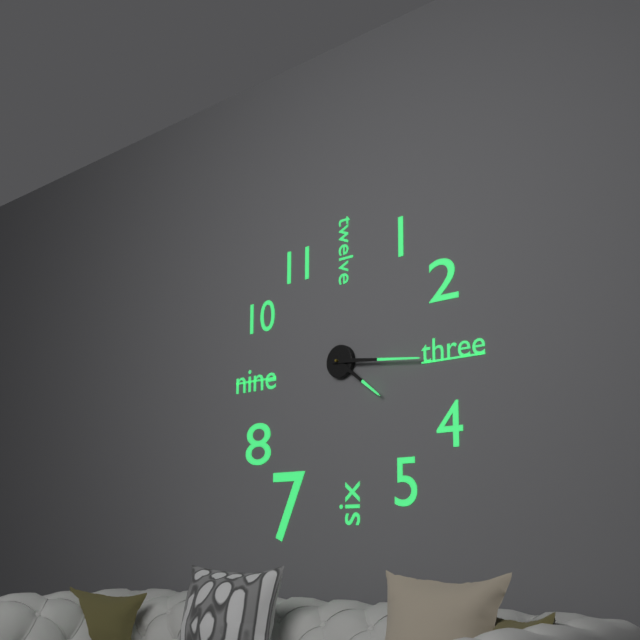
4:16
